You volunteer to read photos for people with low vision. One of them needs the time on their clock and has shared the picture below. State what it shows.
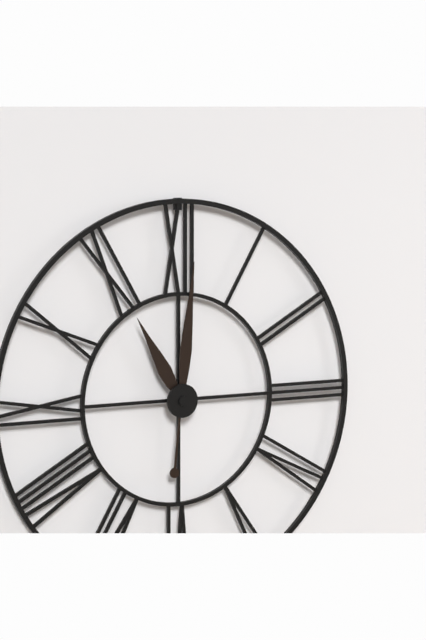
11:01
